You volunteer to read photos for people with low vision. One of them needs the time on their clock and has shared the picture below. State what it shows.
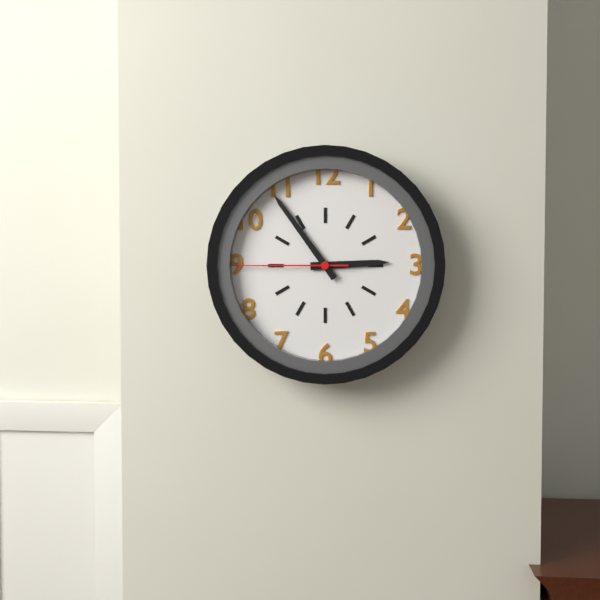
2:54:45
